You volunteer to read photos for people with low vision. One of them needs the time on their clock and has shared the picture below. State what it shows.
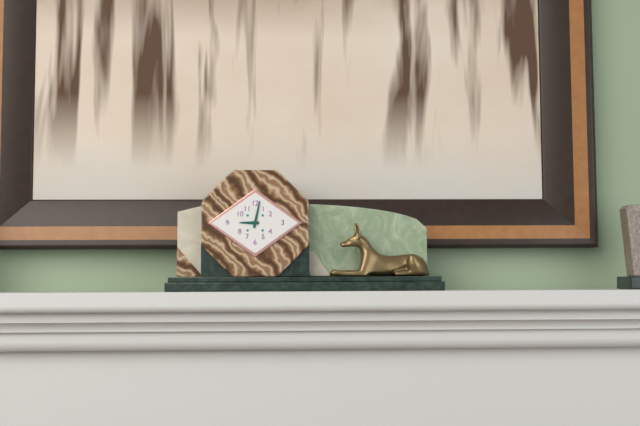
9:02
